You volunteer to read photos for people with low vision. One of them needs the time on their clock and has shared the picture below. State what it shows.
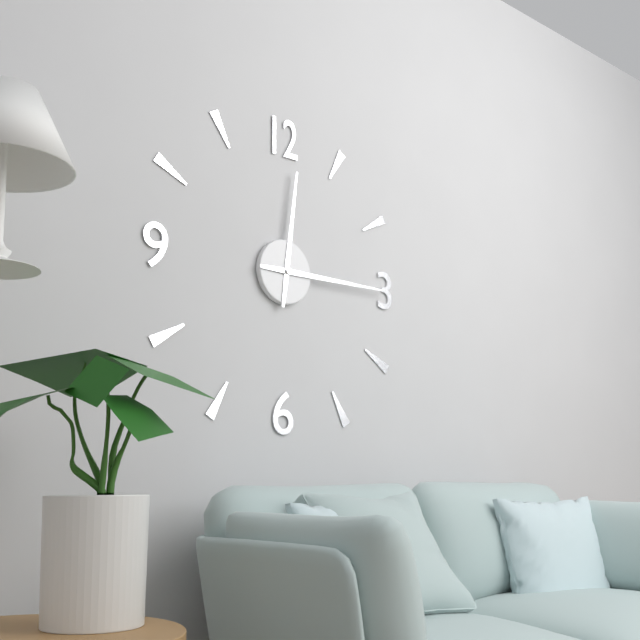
12:15
